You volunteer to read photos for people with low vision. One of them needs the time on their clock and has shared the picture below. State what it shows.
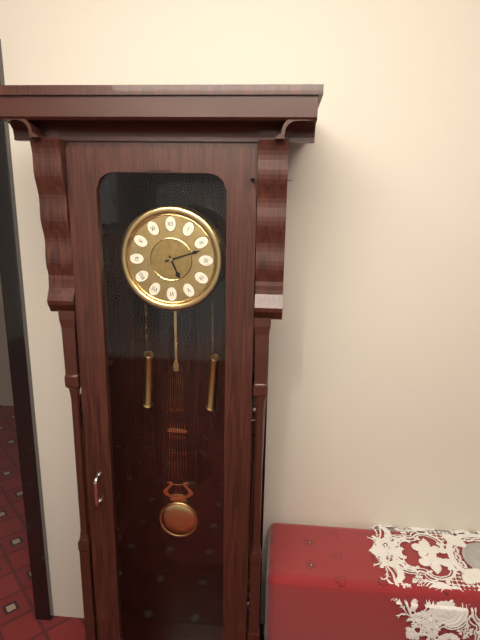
5:12
